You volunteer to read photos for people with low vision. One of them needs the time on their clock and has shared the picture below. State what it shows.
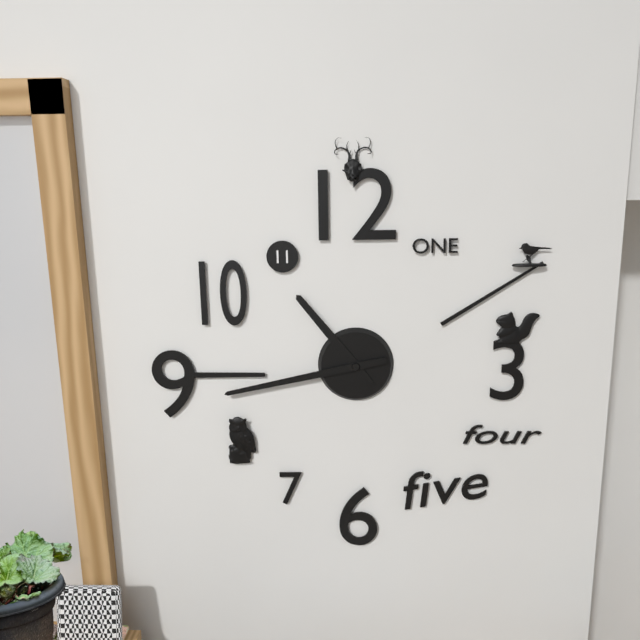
10:43
